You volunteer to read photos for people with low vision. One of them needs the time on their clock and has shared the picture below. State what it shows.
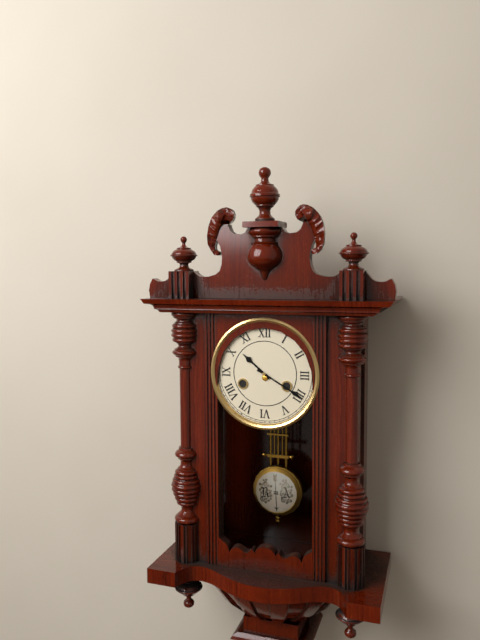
10:20
